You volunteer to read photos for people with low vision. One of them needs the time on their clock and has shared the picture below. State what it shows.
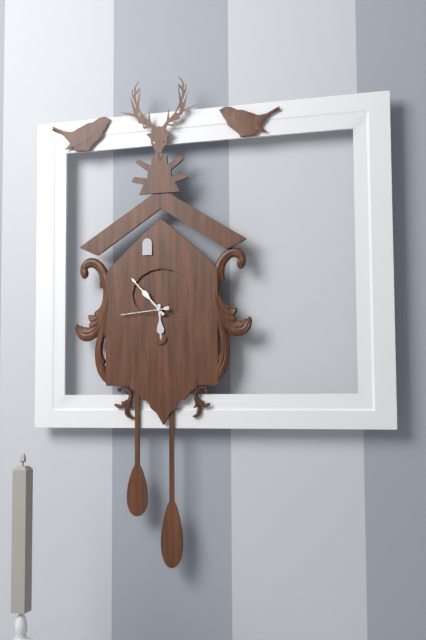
5:53
